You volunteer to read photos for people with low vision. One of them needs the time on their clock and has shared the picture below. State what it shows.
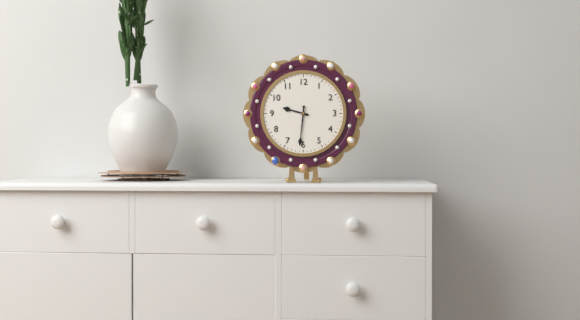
9:31
